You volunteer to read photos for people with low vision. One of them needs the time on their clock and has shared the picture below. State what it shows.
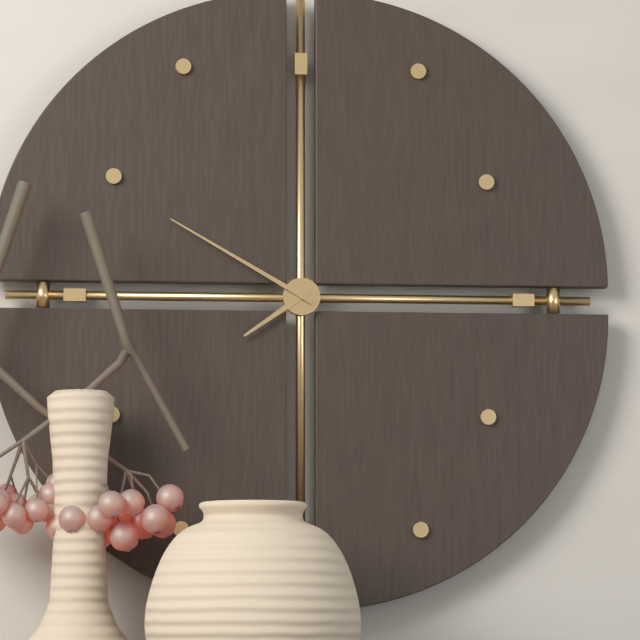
7:50
